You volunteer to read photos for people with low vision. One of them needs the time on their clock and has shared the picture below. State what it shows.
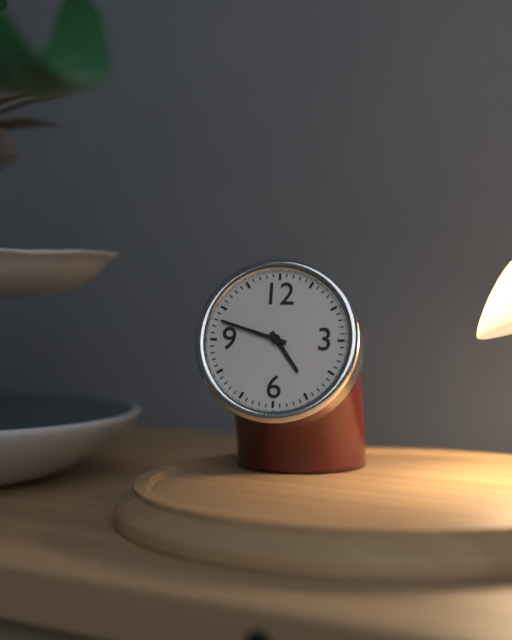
4:48
